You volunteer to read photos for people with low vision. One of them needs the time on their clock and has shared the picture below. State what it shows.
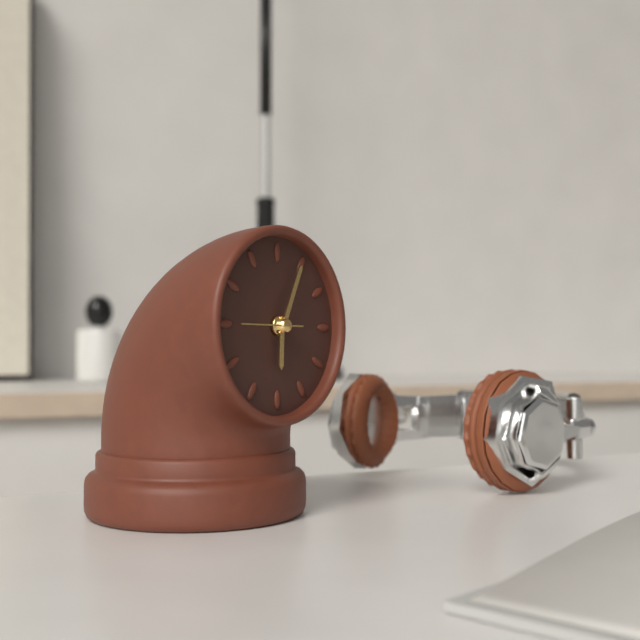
6:04:45
